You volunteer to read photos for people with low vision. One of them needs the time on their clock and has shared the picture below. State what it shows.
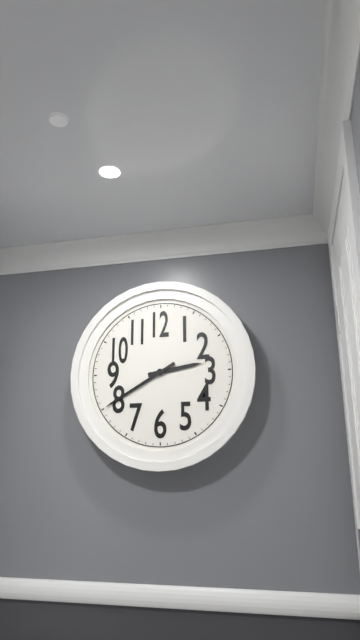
2:40
